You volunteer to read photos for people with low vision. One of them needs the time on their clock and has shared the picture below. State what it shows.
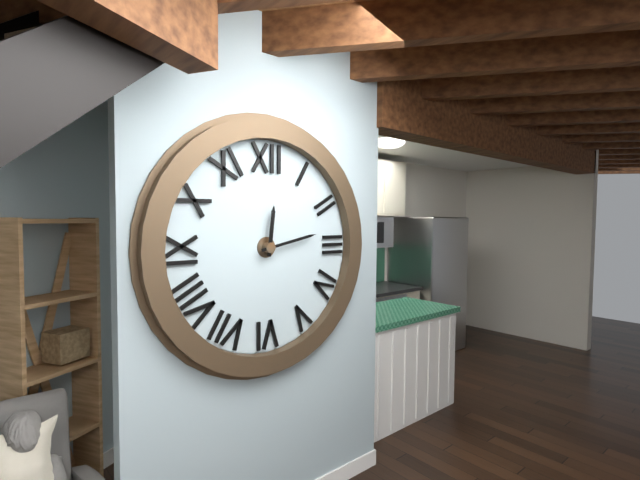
12:13
